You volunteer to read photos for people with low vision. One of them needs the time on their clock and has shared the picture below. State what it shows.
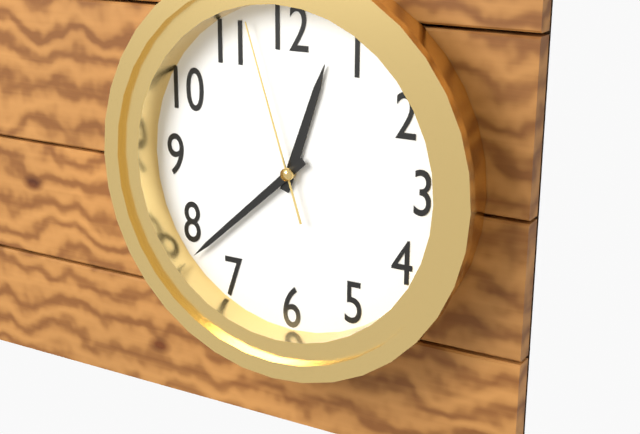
12:38:57
